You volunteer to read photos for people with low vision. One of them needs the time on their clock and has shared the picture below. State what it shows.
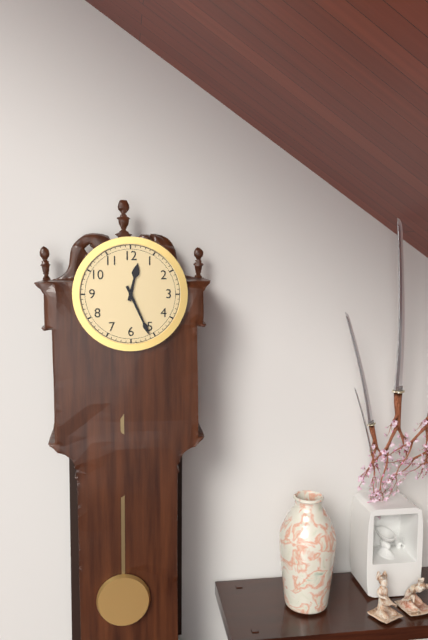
12:26
